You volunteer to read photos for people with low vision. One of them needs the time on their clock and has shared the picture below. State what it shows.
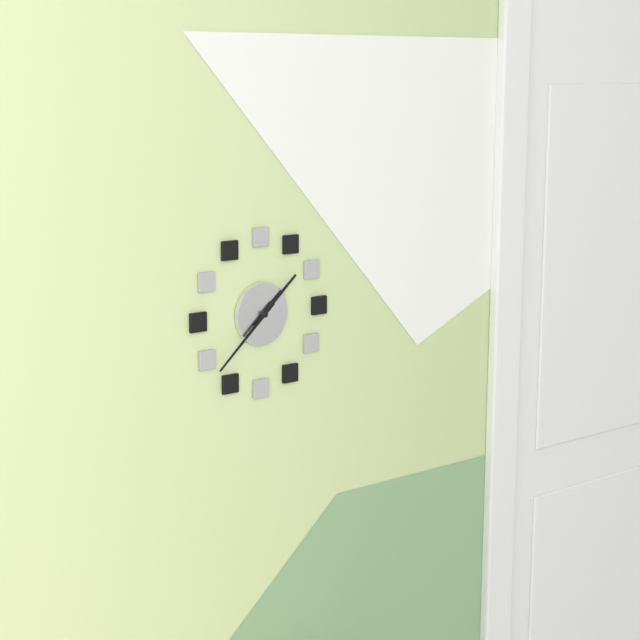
1:38
